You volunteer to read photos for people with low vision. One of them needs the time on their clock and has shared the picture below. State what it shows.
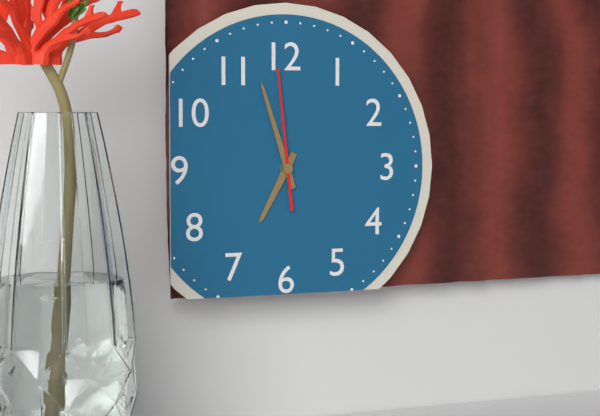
6:57:59
